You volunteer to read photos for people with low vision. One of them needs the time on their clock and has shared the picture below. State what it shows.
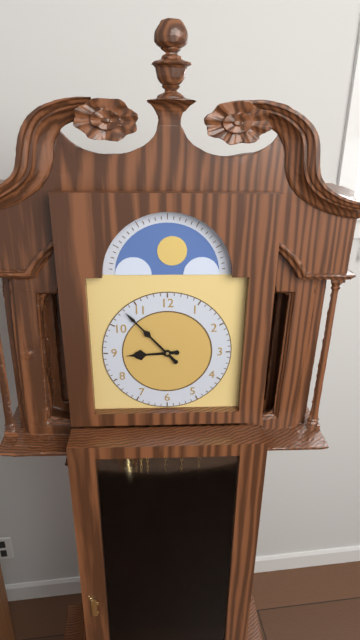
8:53
